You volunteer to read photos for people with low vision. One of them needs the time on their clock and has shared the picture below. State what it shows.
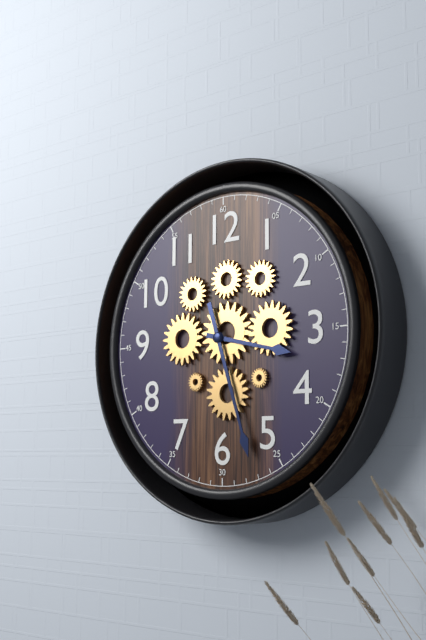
3:27
